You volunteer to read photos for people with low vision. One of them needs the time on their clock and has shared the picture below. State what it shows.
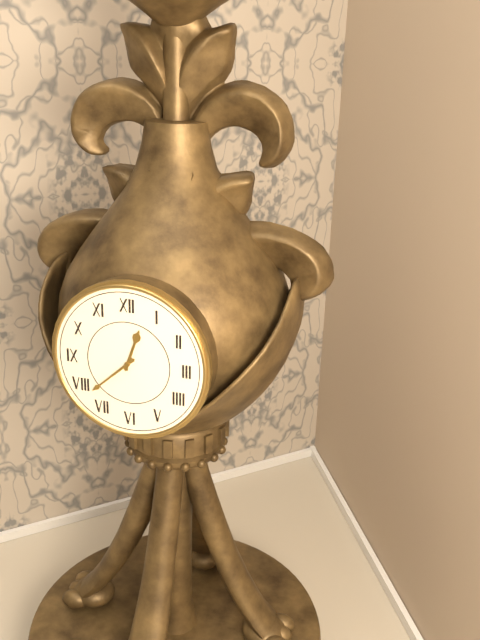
12:38
